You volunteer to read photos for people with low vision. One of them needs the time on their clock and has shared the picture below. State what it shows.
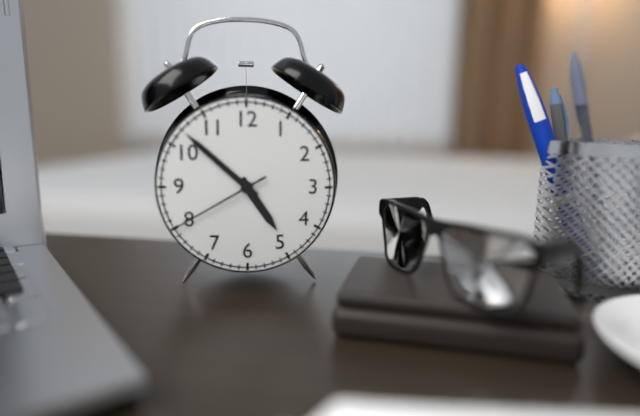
4:52:40
